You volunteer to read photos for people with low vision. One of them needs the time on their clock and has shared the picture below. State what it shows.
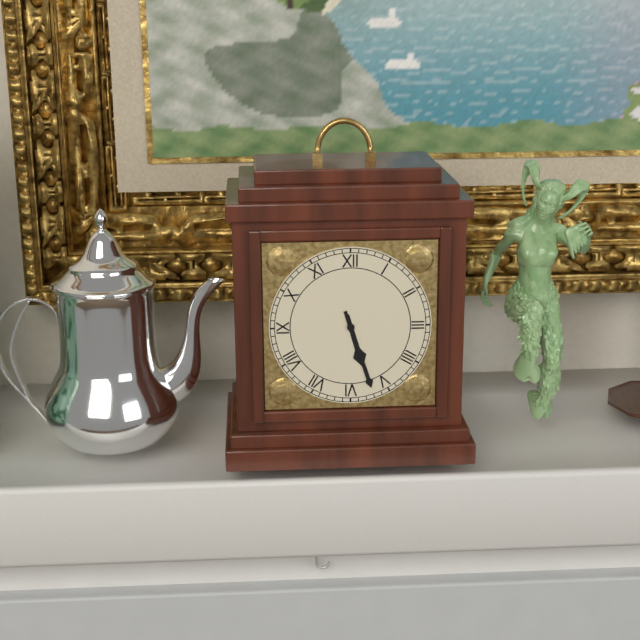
5:27
